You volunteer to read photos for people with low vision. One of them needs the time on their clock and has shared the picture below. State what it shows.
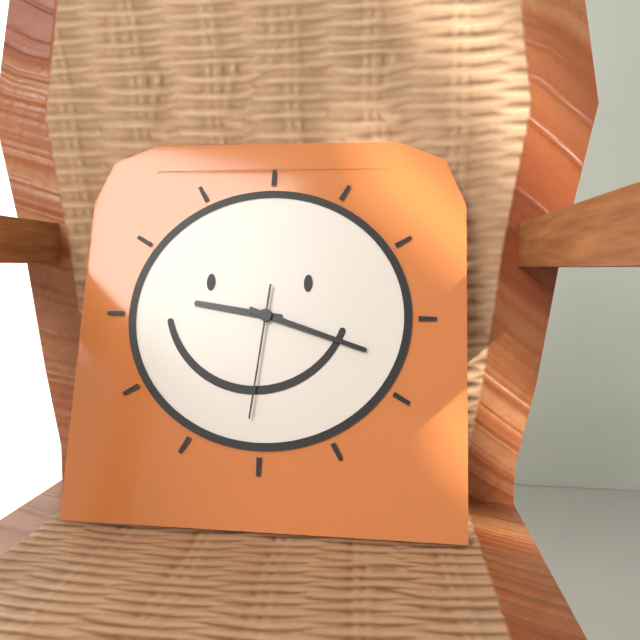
9:18:31
